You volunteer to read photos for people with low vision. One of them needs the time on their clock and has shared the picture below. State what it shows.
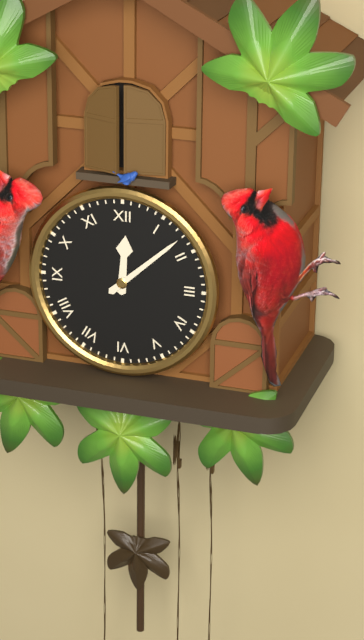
12:08
